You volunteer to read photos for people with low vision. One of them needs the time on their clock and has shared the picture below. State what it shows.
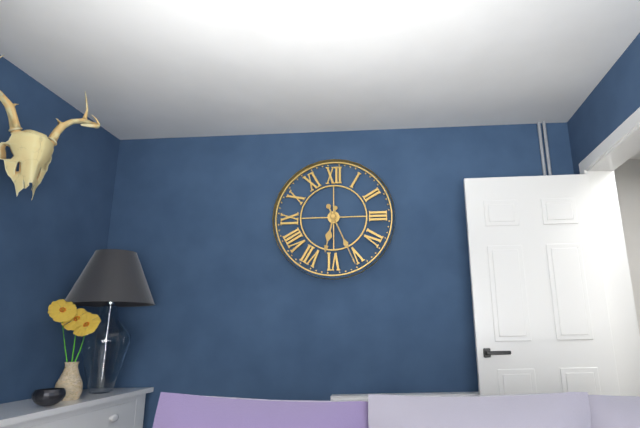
6:26
